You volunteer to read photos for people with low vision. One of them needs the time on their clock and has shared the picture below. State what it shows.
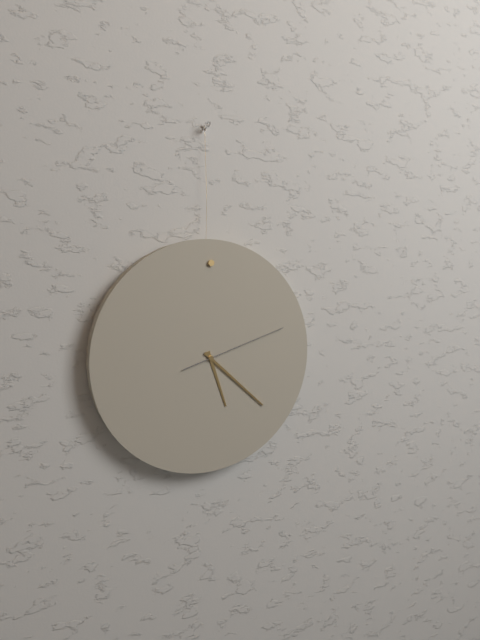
5:22:12
